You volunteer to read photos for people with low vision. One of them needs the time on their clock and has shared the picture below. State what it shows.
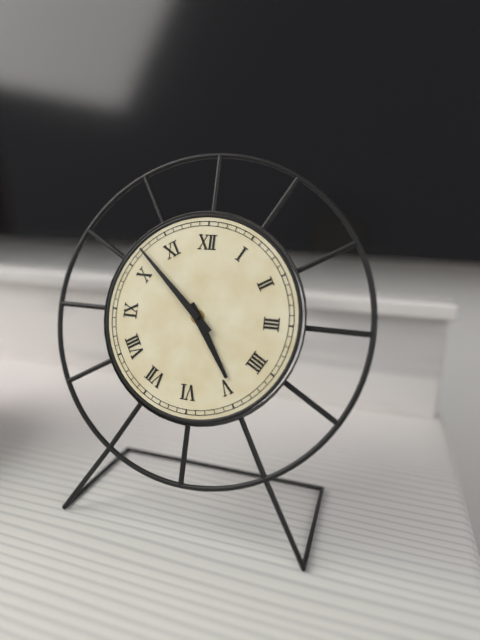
4:52
